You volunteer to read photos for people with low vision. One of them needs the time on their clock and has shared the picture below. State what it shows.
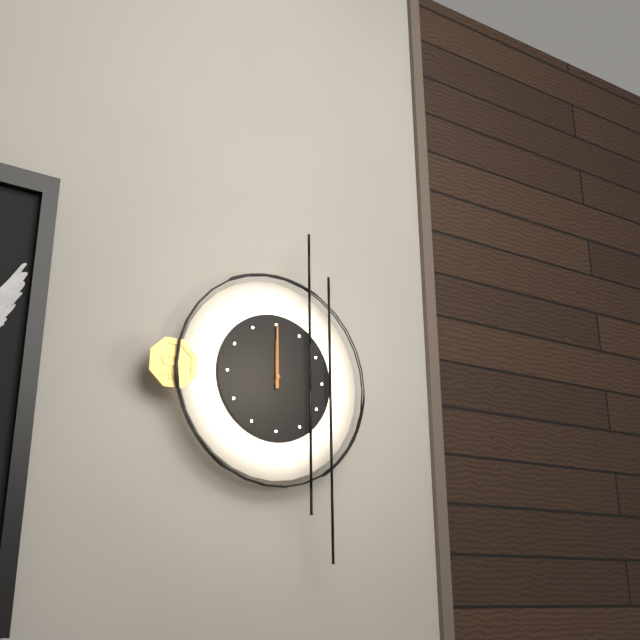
12:00
